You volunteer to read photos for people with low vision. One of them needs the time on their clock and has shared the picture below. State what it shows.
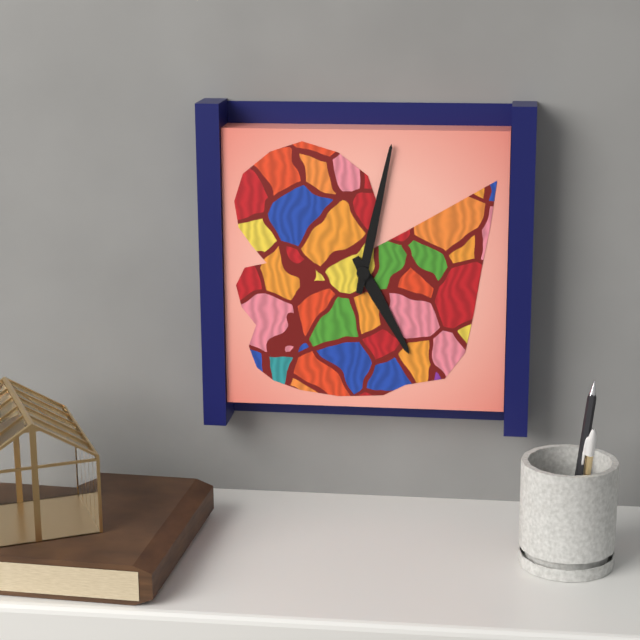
5:02
